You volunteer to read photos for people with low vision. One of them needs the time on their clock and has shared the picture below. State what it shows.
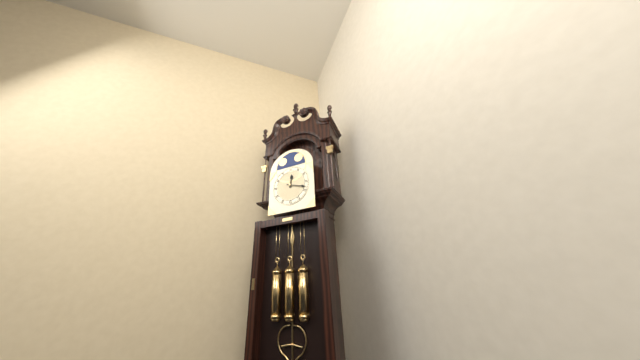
12:18
